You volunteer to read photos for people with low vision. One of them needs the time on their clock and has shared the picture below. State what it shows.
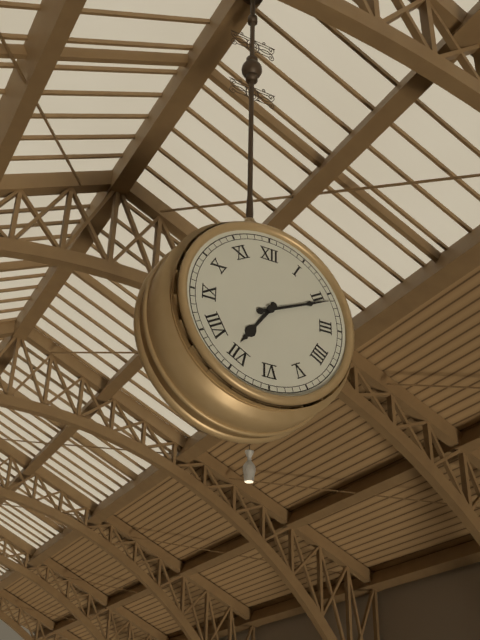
7:11
